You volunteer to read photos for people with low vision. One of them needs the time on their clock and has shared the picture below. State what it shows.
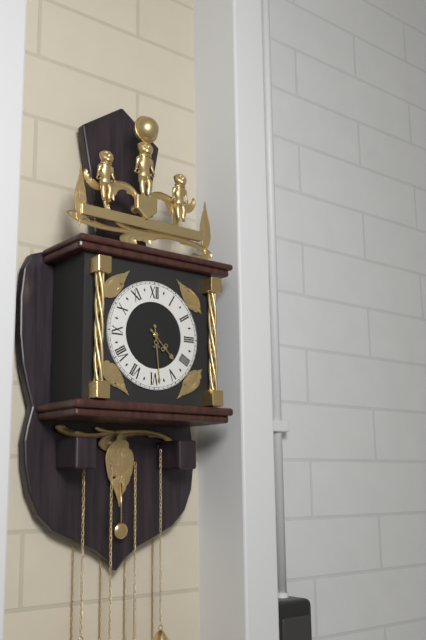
4:29
